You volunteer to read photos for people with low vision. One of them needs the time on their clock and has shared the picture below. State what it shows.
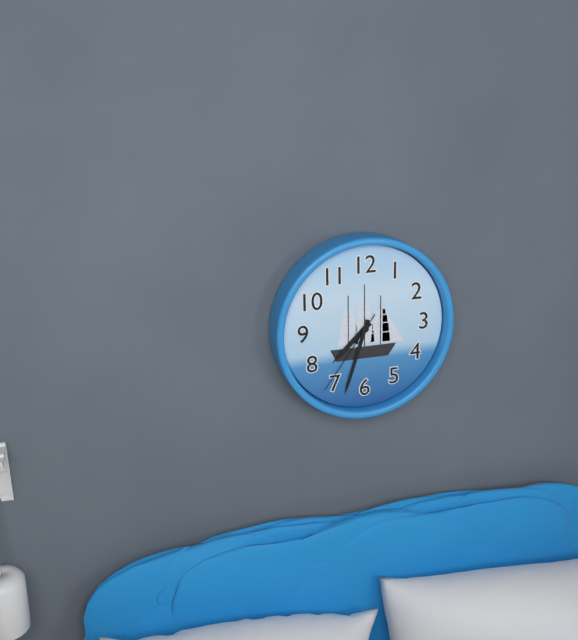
7:33:36
